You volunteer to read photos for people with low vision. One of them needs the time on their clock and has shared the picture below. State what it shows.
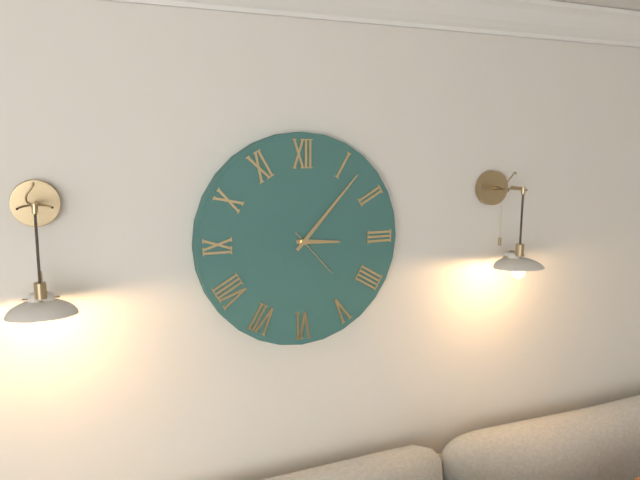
3:07:23
